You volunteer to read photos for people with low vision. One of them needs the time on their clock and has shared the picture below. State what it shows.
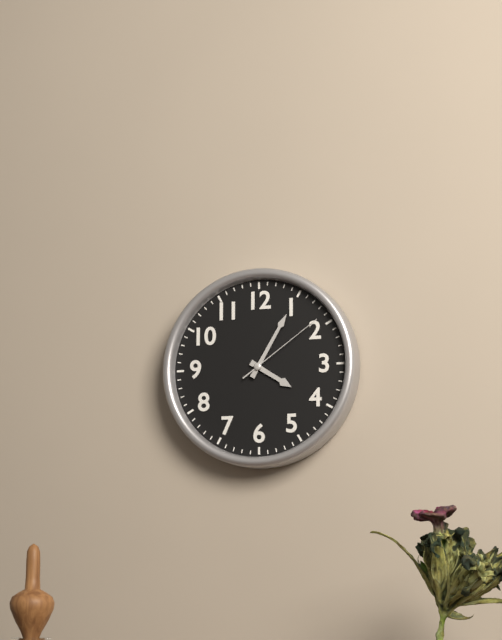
4:05:09
